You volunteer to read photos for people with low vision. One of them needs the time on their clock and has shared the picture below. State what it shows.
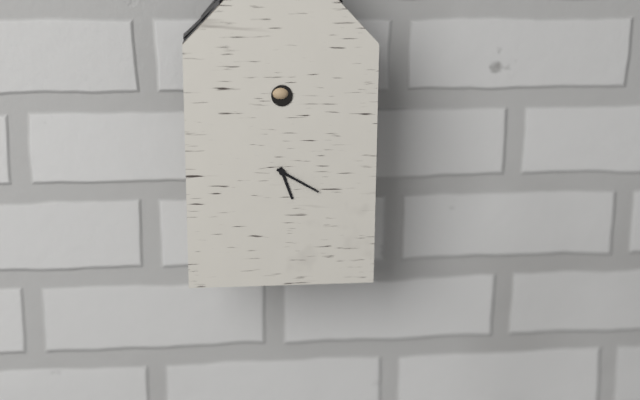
5:20
